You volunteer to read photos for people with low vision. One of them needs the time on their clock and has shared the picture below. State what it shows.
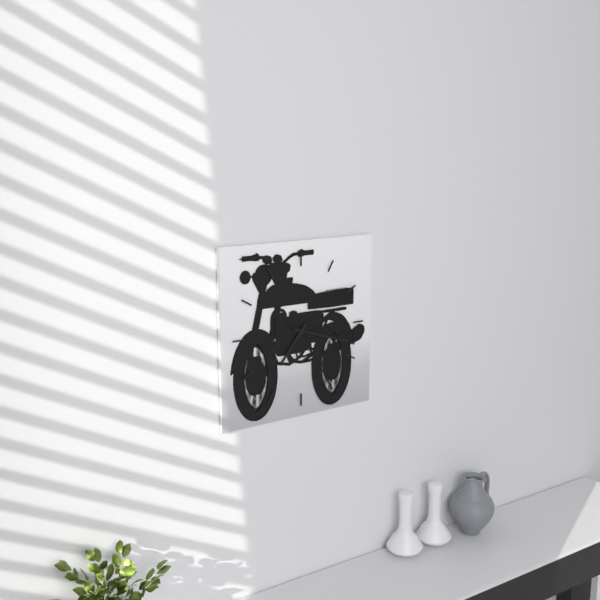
7:18
